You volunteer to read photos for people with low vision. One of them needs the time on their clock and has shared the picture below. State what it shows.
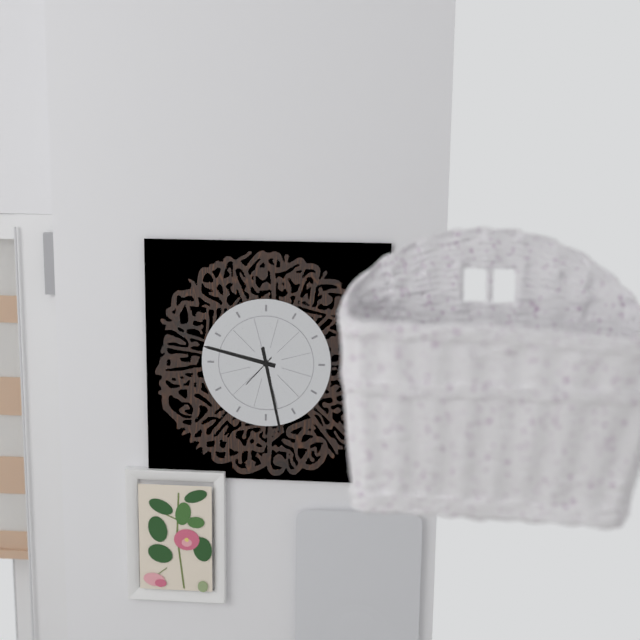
9:28
